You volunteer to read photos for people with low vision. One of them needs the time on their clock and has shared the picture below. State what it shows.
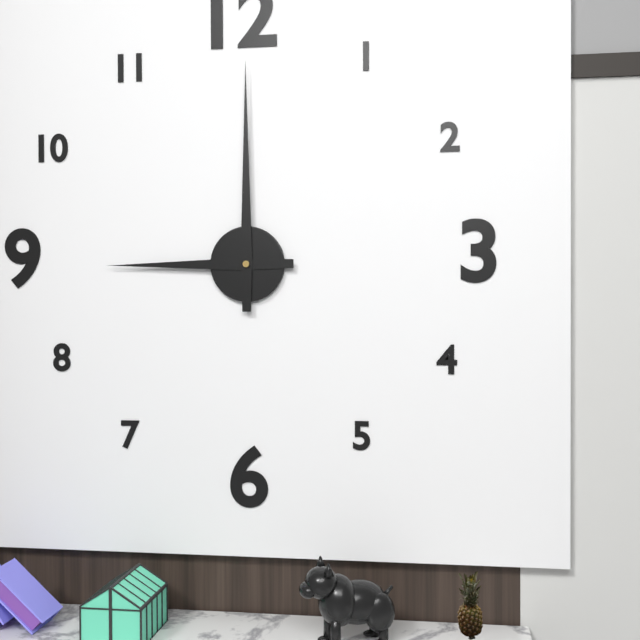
9:00
